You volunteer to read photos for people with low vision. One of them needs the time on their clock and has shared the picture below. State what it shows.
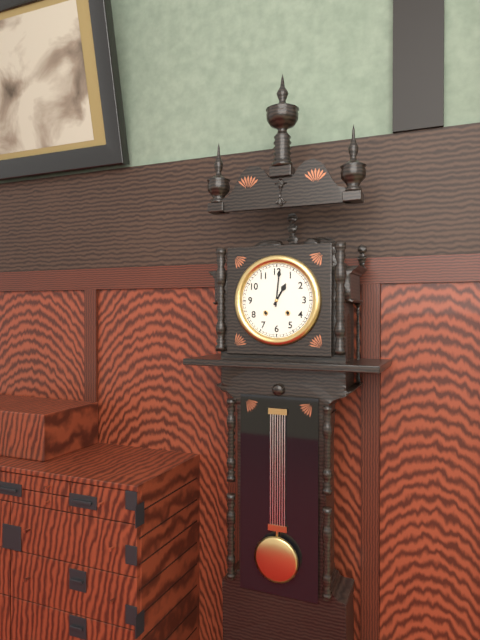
1:01
